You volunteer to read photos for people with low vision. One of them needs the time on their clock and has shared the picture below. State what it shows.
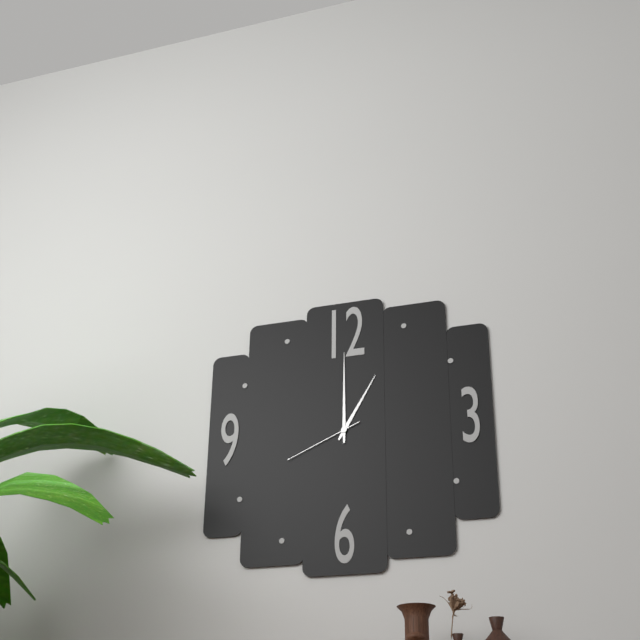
1:00:41
